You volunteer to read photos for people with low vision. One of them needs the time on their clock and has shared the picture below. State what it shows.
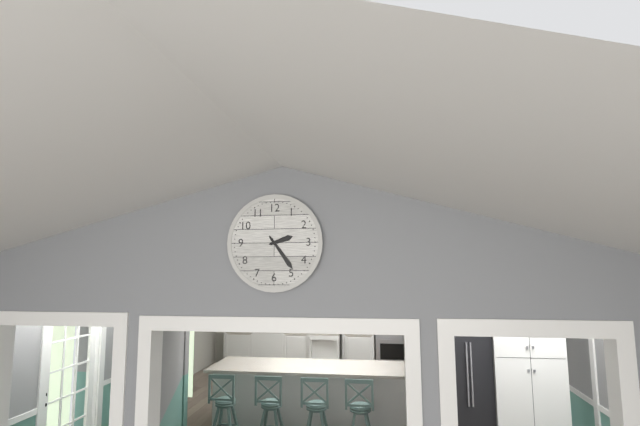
2:24
